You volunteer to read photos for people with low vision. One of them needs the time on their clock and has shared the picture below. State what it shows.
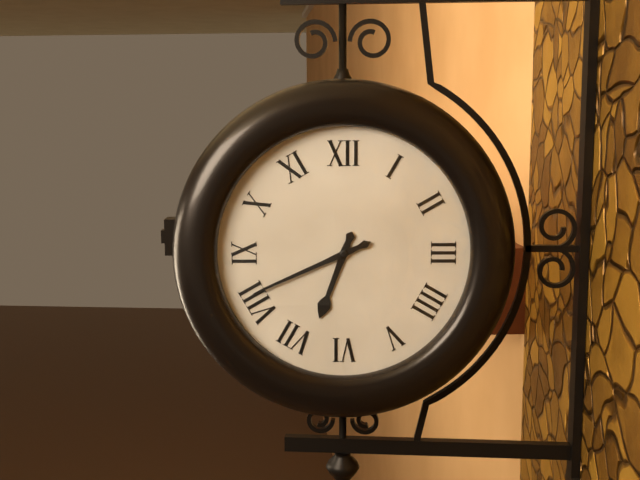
6:41
